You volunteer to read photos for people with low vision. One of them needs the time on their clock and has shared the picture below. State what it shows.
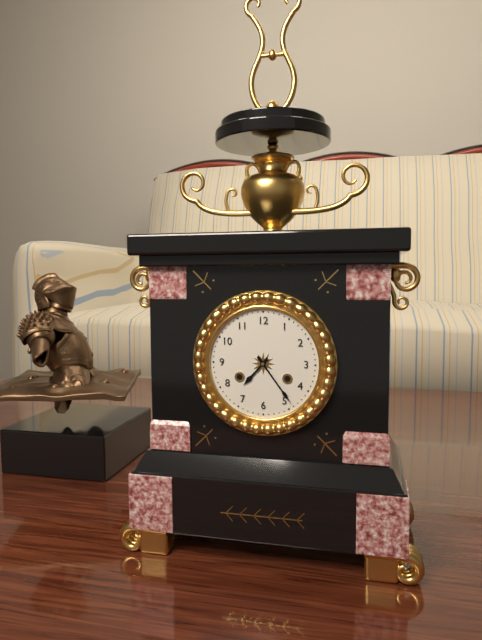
7:24
